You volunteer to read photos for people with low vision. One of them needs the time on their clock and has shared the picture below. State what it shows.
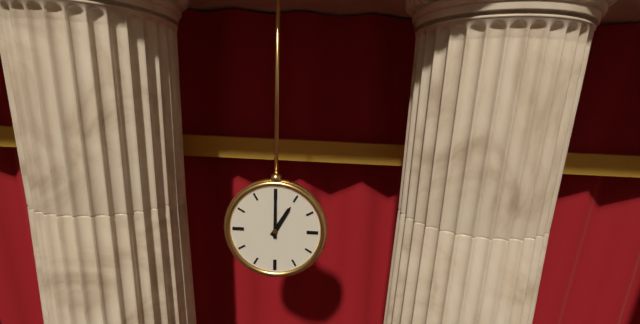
1:00
